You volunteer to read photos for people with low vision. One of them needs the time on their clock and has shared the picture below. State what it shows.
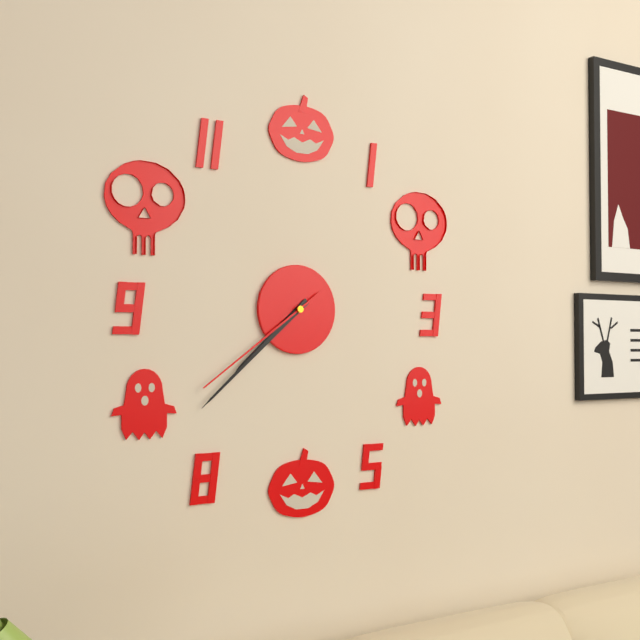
7:38:39
